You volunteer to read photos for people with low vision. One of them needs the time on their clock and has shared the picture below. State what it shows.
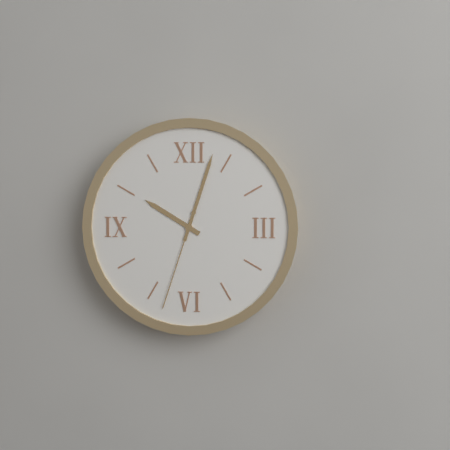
10:03:33
